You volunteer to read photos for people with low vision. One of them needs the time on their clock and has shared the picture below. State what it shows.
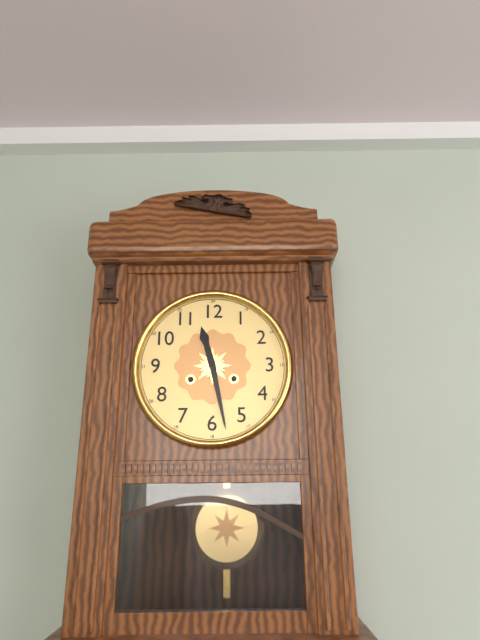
11:28
